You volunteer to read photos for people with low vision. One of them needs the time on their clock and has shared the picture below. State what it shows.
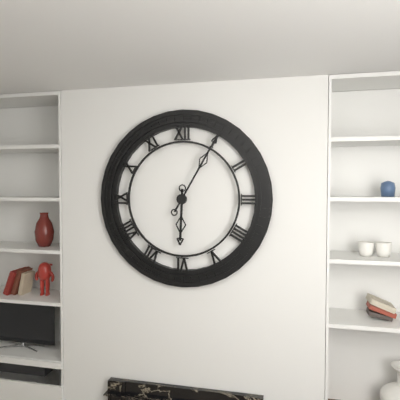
6:05
